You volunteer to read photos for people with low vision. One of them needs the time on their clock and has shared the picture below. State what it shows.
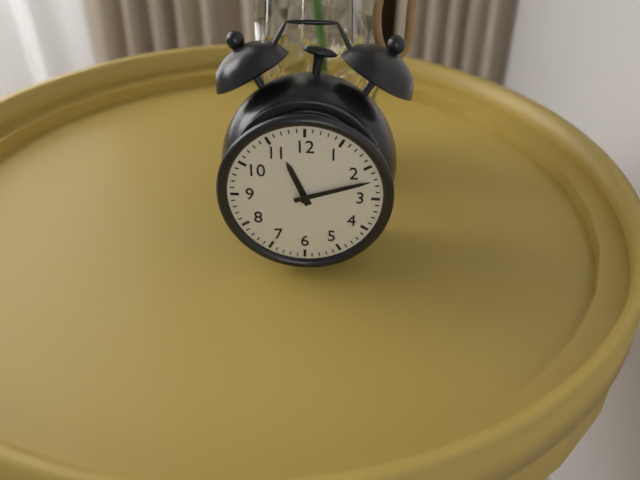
11:12
